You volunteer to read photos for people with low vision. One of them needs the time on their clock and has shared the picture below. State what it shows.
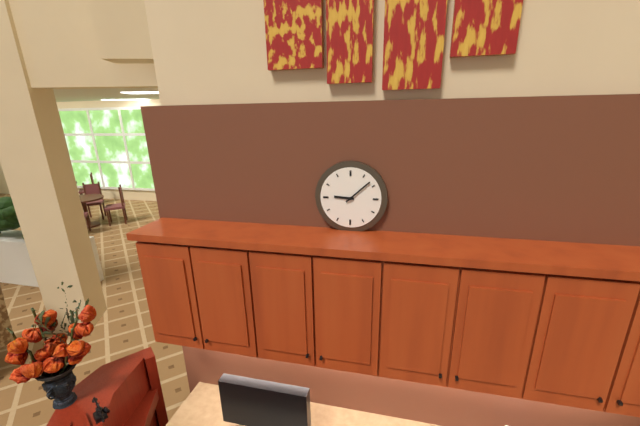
9:08
